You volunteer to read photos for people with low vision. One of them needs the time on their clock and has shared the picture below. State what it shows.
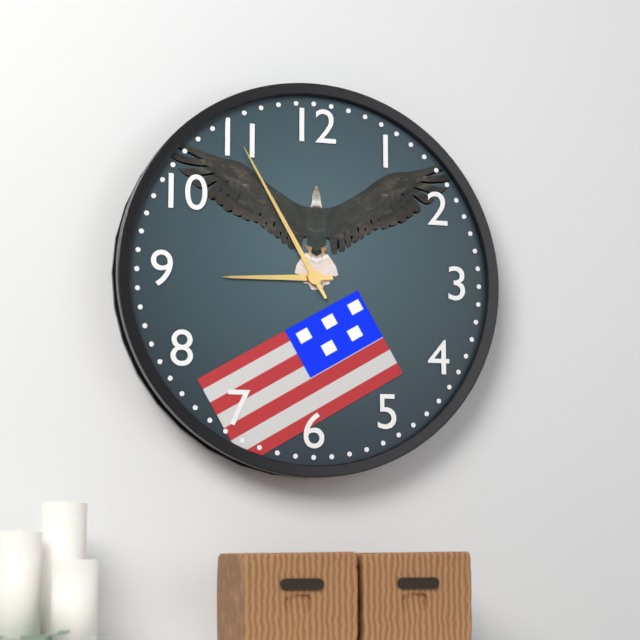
8:55
